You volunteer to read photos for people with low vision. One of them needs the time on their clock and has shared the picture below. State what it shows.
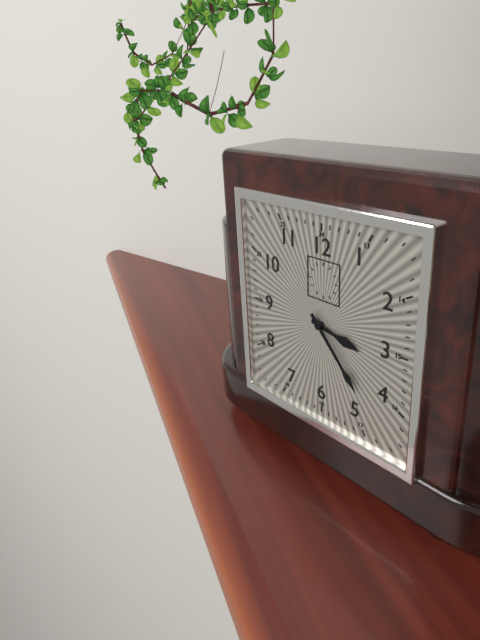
3:23
